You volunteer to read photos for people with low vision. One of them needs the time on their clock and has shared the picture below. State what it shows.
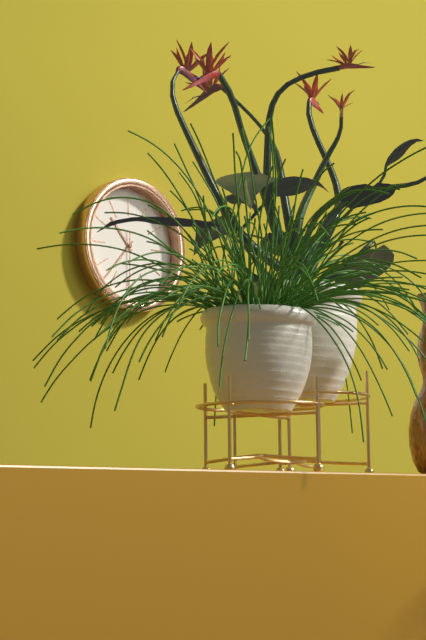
10:37:30
